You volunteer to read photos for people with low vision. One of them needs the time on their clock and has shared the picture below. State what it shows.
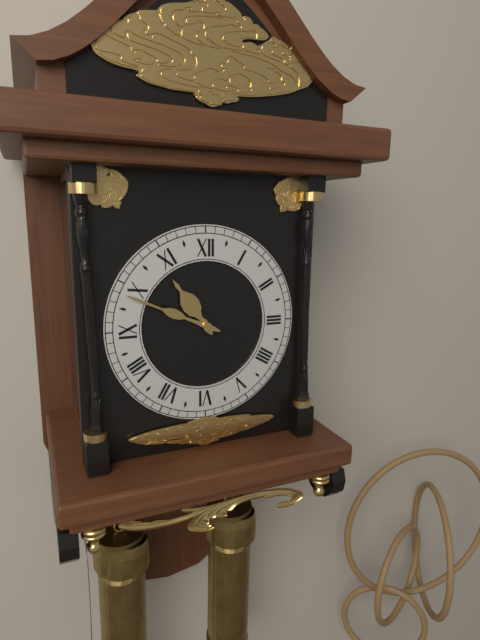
10:49
